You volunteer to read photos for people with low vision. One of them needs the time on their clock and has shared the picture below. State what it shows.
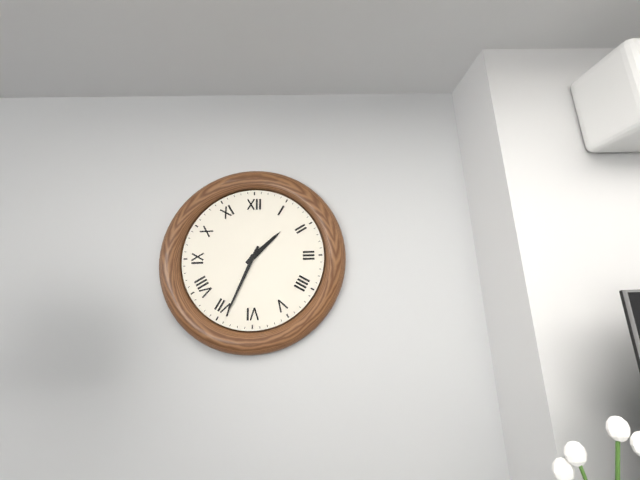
1:34
